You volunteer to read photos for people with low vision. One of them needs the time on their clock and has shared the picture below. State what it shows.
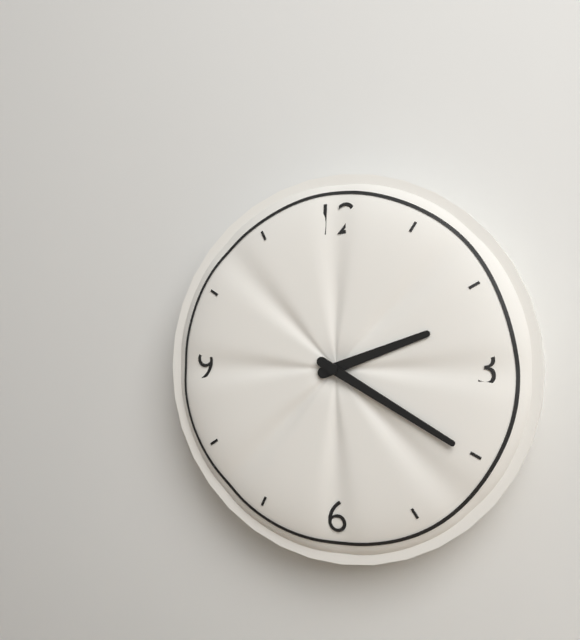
2:20
